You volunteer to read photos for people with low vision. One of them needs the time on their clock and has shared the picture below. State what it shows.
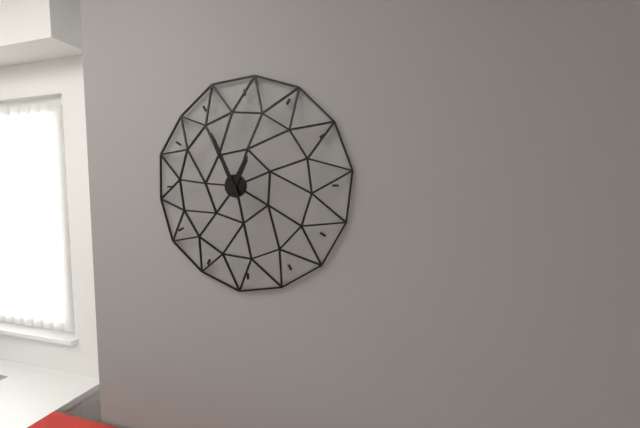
12:56
